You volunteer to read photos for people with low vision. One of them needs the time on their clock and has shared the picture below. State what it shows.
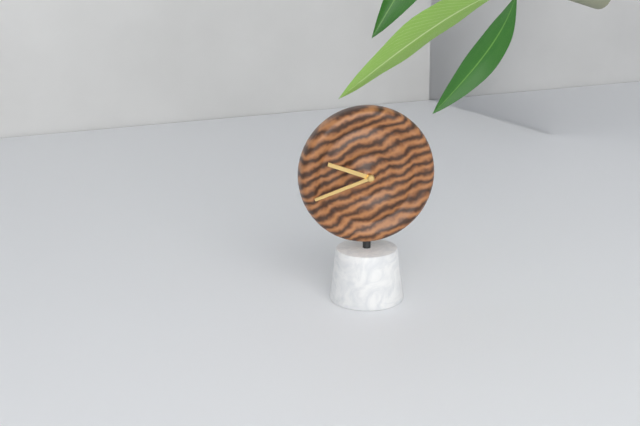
9:42
